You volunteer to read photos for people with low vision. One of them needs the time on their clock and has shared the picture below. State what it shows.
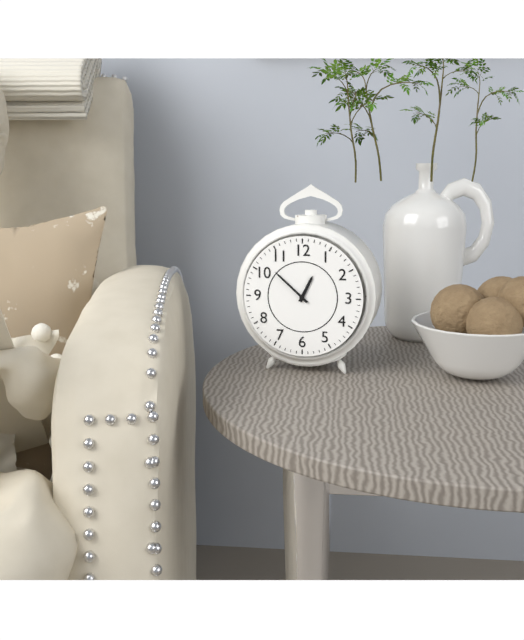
12:52
